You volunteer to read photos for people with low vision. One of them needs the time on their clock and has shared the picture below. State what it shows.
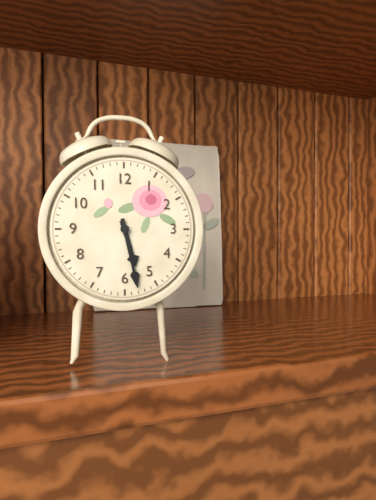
5:28
